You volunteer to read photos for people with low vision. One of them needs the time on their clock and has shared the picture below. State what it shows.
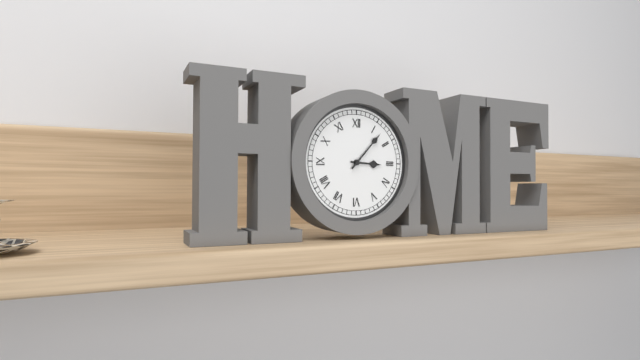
3:07
